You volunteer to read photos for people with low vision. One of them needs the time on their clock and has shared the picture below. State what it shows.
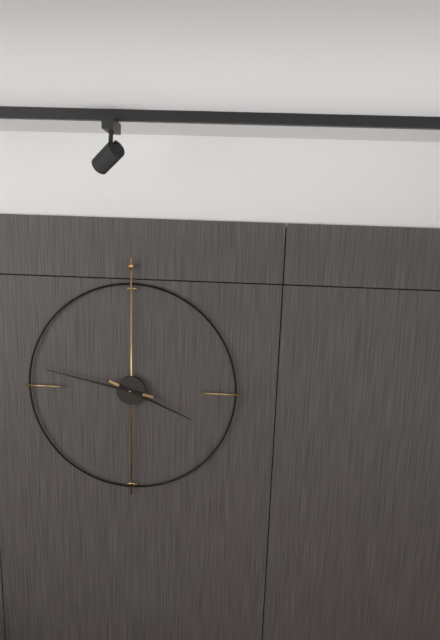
3:47
